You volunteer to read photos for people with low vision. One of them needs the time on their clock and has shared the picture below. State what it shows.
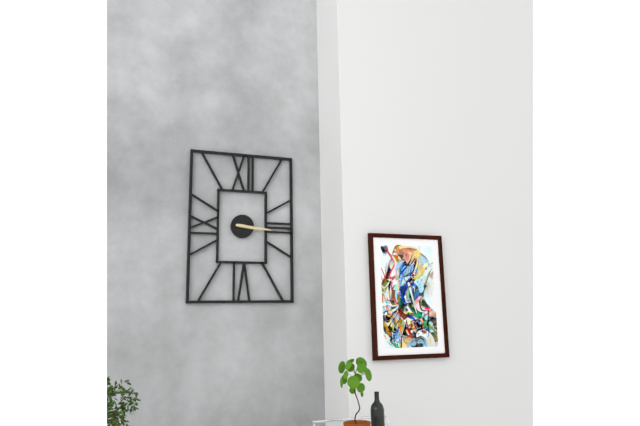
3:16
